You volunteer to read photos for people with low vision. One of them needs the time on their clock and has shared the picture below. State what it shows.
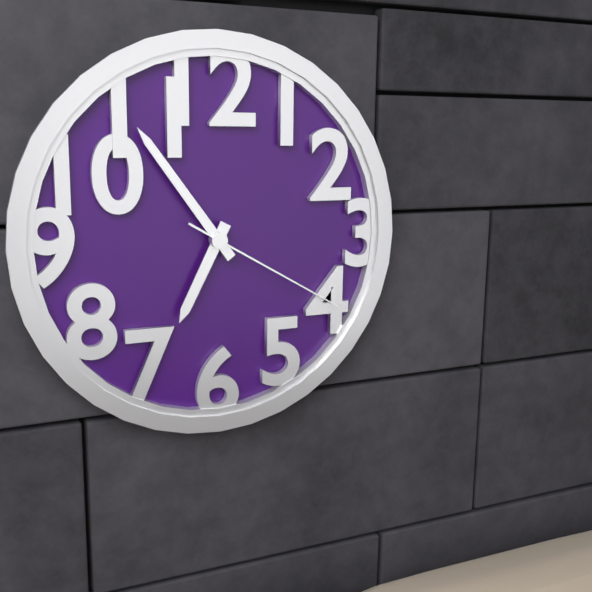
6:54:20
